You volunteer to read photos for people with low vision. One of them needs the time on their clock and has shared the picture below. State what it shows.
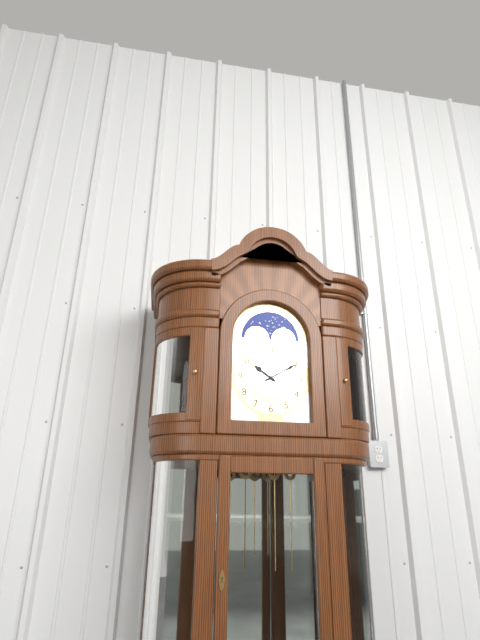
10:10
